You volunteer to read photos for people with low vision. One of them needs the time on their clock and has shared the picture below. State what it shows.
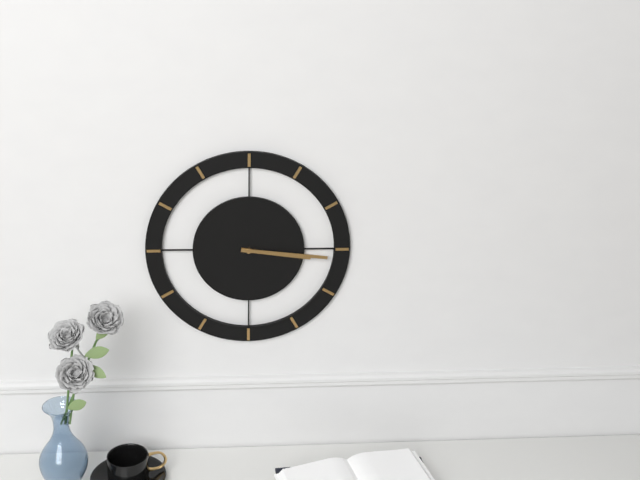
3:16
